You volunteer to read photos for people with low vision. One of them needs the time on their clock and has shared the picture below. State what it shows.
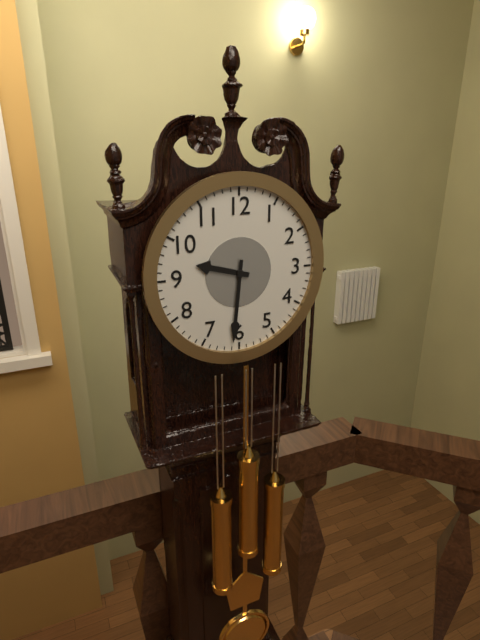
9:31
